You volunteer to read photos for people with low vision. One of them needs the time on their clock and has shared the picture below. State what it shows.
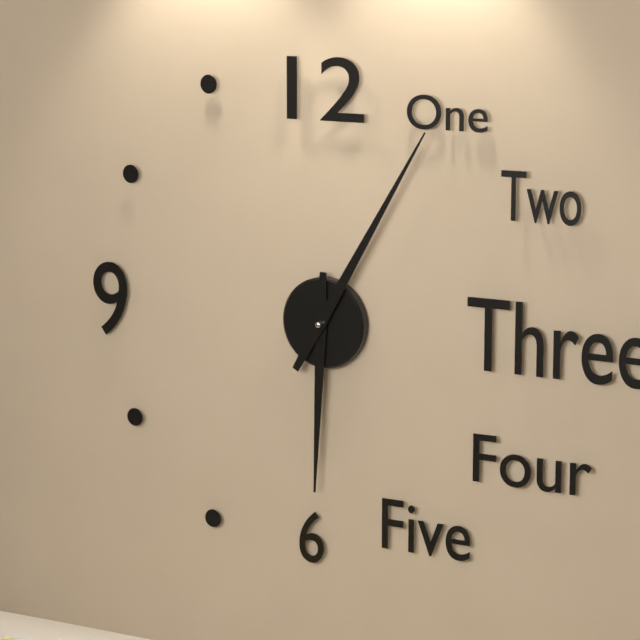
6:05
